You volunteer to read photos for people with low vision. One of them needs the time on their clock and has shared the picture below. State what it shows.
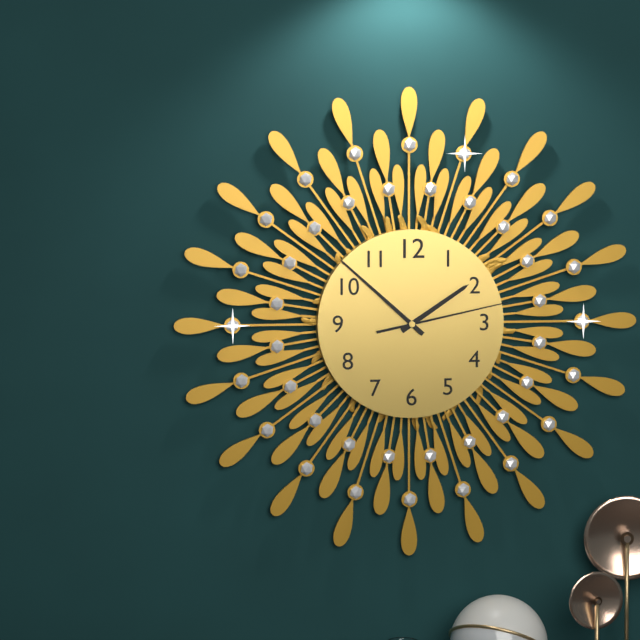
1:52:13
